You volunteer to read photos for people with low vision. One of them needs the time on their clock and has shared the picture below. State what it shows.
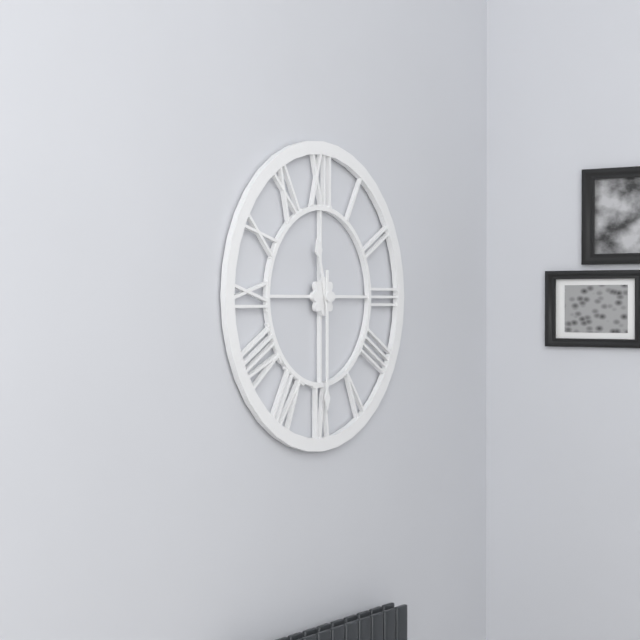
11:30
